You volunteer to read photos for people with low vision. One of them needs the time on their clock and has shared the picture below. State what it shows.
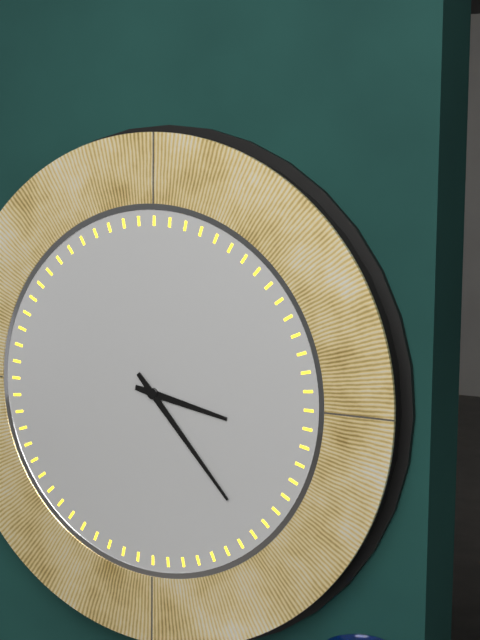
3:23
